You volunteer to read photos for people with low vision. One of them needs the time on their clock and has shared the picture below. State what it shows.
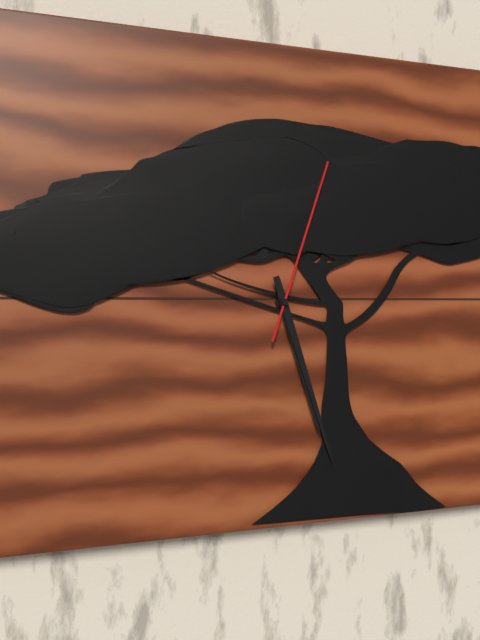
5:27:03
